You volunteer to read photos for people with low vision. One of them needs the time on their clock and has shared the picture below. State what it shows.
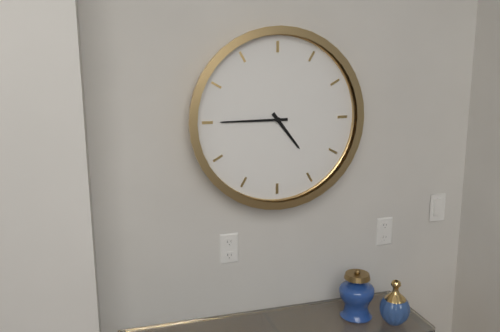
4:45
